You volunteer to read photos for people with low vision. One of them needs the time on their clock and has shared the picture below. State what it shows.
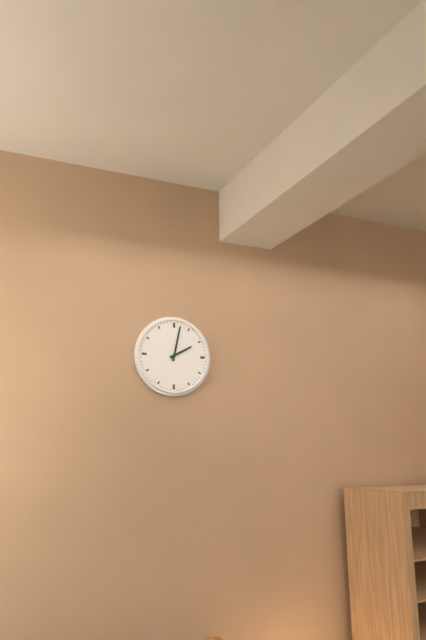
2:02
